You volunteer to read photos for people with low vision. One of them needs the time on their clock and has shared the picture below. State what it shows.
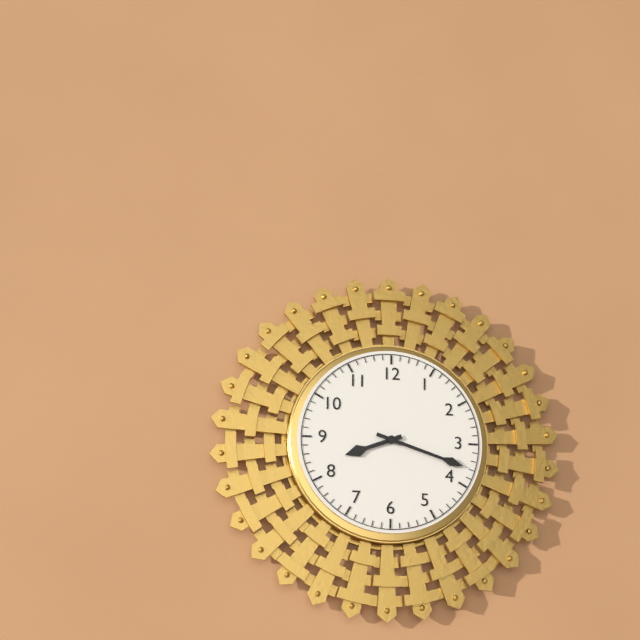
8:18
